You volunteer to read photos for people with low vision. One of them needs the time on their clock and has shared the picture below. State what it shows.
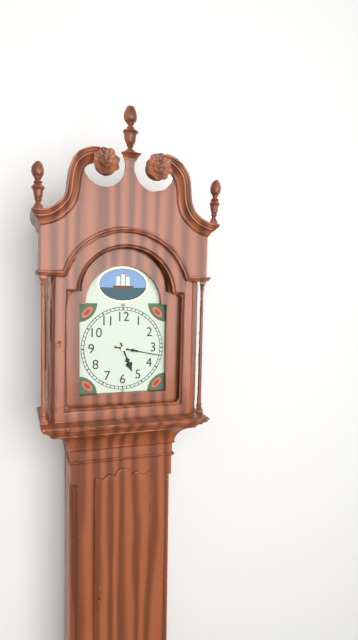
5:17
